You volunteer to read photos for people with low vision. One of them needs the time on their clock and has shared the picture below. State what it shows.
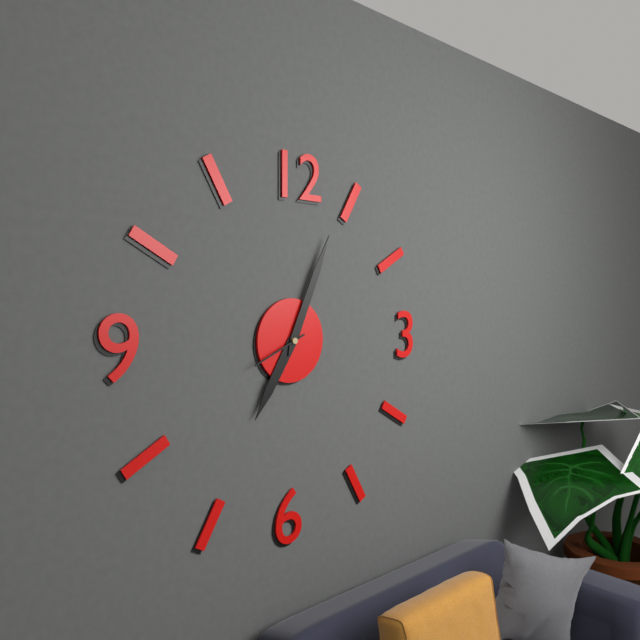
7:04:41
